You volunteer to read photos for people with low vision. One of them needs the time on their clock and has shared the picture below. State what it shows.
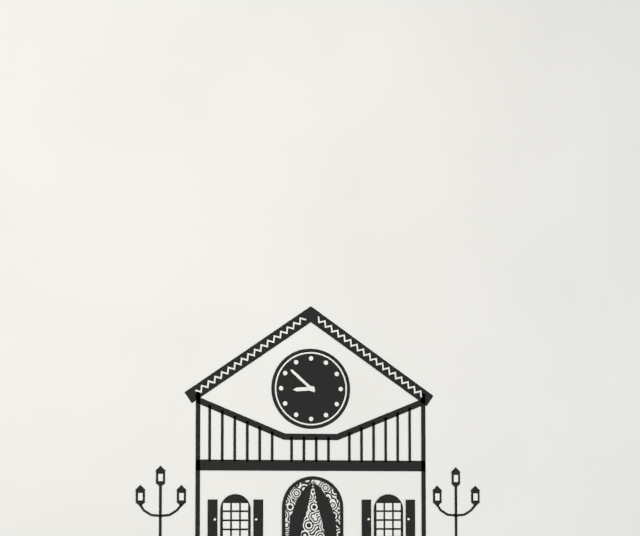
8:52
